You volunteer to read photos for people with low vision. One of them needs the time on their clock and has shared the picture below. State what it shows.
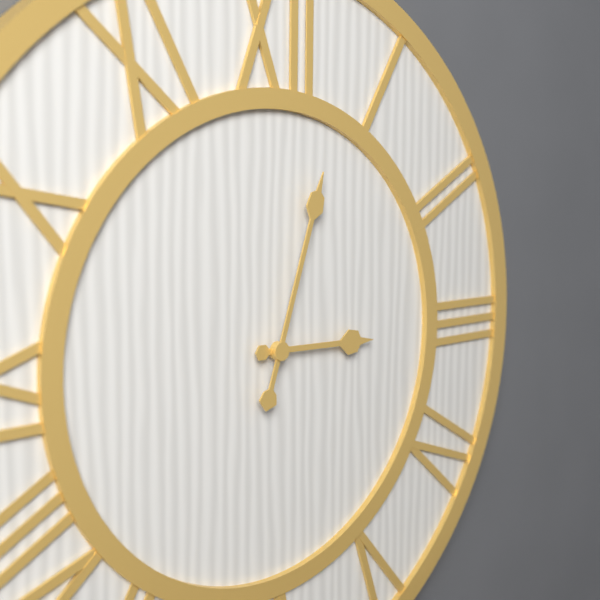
3:03
